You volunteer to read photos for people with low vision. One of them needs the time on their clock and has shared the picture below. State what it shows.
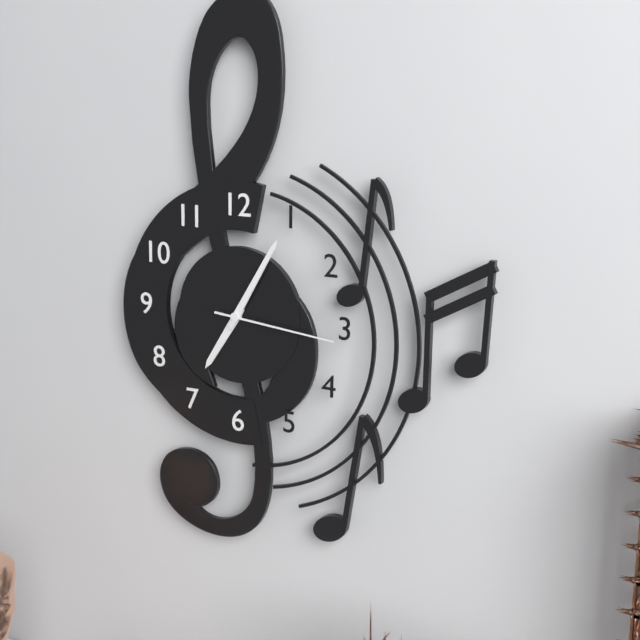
7:05:16
